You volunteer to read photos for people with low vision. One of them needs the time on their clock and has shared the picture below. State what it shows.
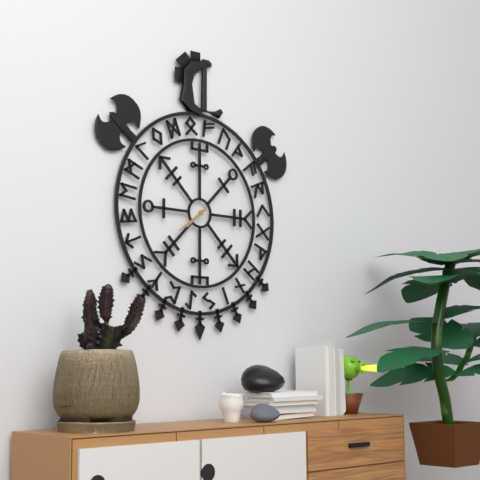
7:39
